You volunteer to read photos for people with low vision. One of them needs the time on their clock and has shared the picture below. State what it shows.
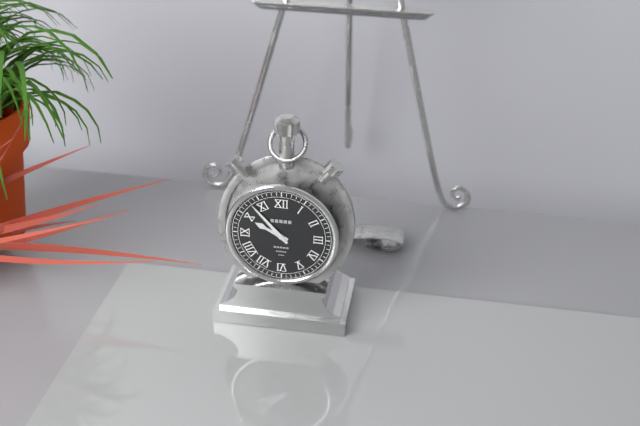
9:53
